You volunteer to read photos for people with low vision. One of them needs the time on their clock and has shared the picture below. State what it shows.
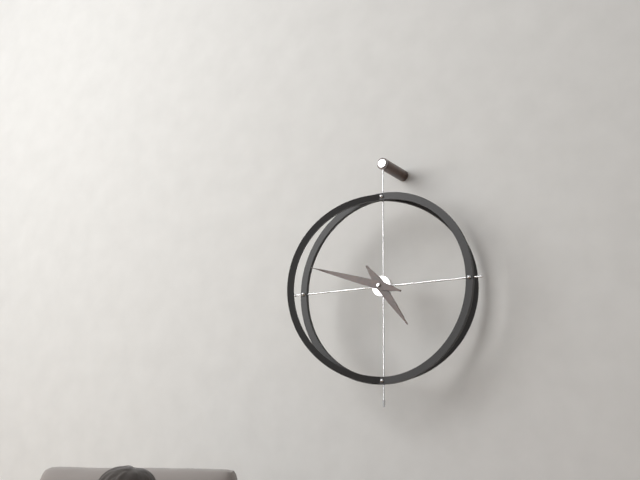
4:48
